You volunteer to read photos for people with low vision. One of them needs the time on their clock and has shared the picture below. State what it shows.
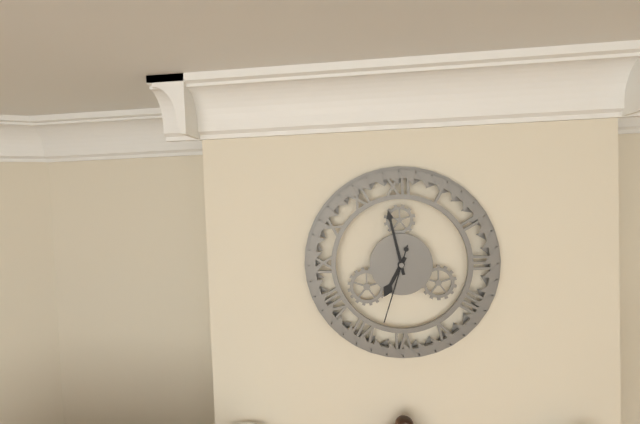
6:58:33
